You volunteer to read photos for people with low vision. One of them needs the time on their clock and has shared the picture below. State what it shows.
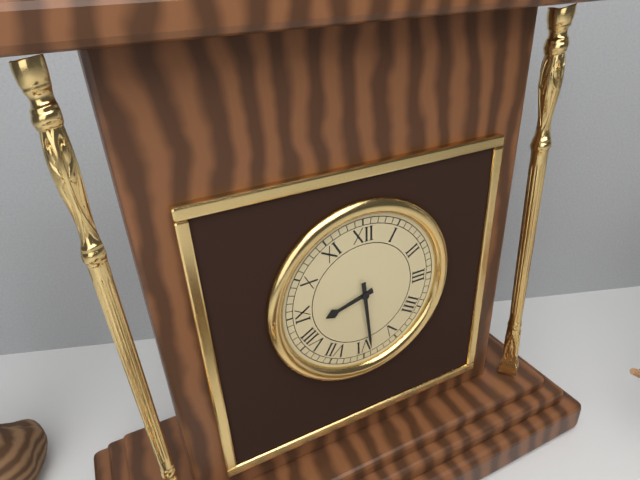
8:29
